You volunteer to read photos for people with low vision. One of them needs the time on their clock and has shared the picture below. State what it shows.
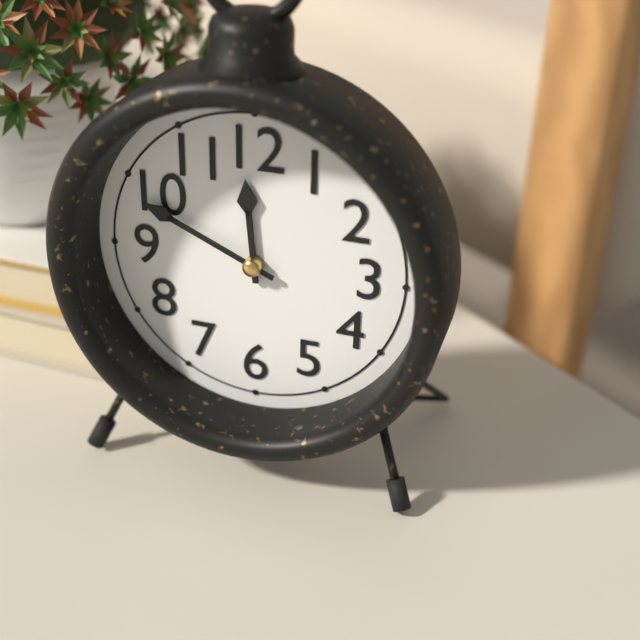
11:49
